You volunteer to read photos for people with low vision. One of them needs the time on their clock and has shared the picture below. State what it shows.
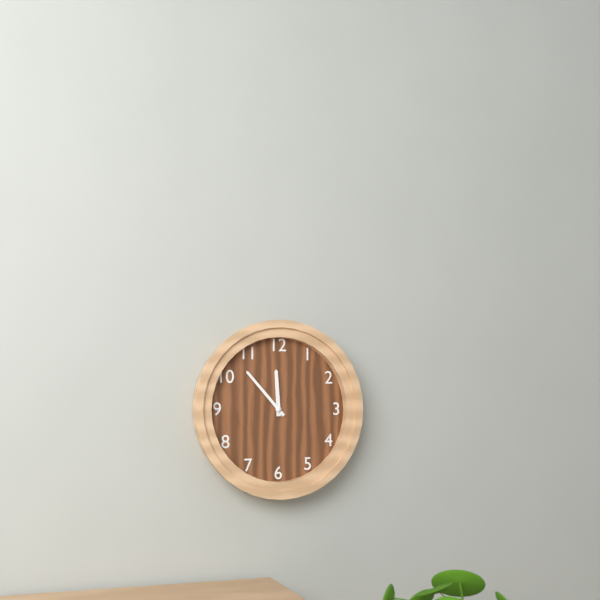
11:53
